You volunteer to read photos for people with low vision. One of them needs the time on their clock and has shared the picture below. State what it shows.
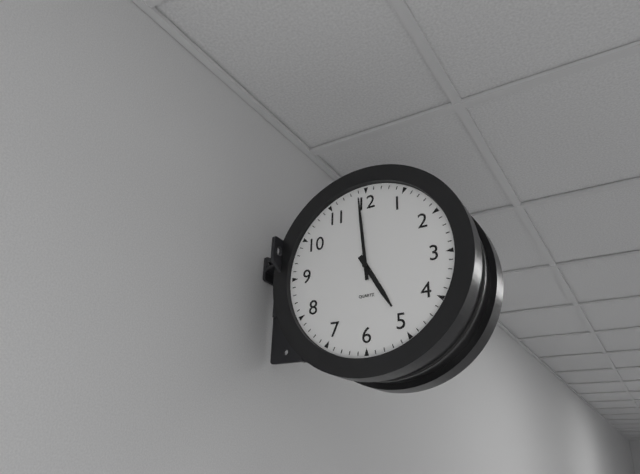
4:59
